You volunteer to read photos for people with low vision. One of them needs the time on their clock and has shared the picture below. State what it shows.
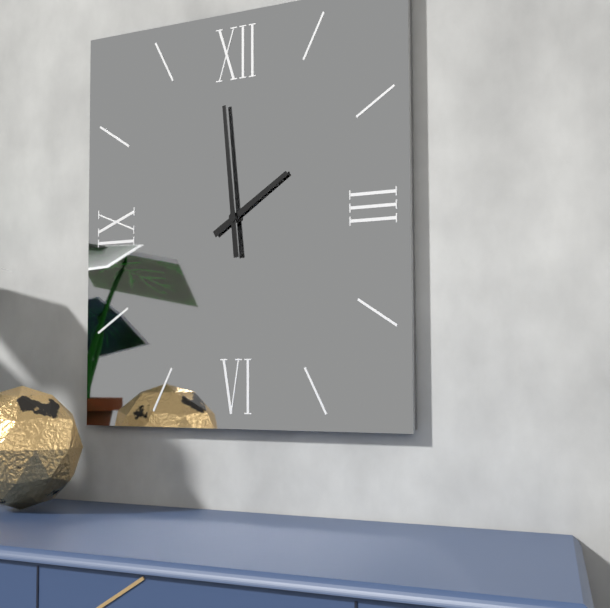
1:59
